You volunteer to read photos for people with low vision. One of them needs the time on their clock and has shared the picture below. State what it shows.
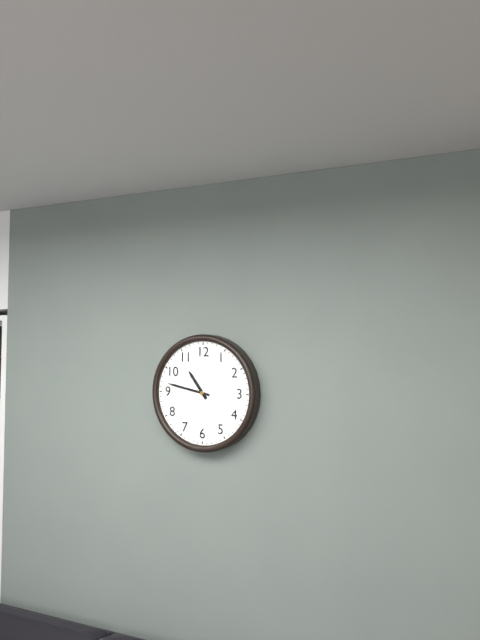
10:47
